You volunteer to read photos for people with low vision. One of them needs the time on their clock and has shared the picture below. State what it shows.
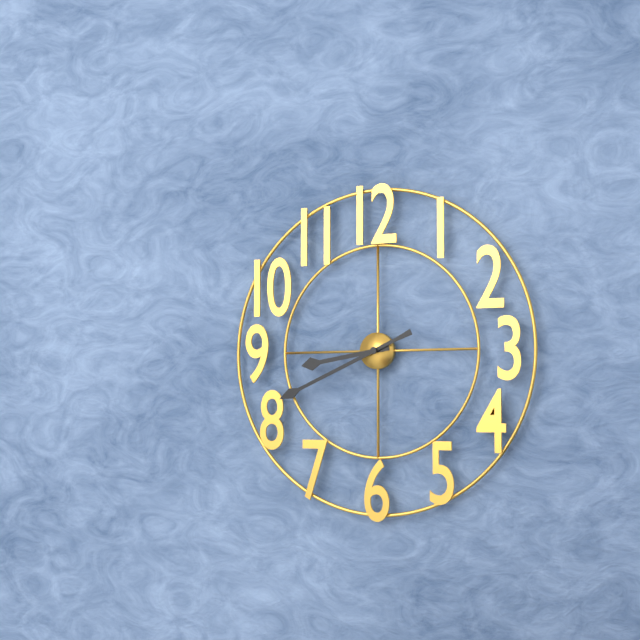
8:41
